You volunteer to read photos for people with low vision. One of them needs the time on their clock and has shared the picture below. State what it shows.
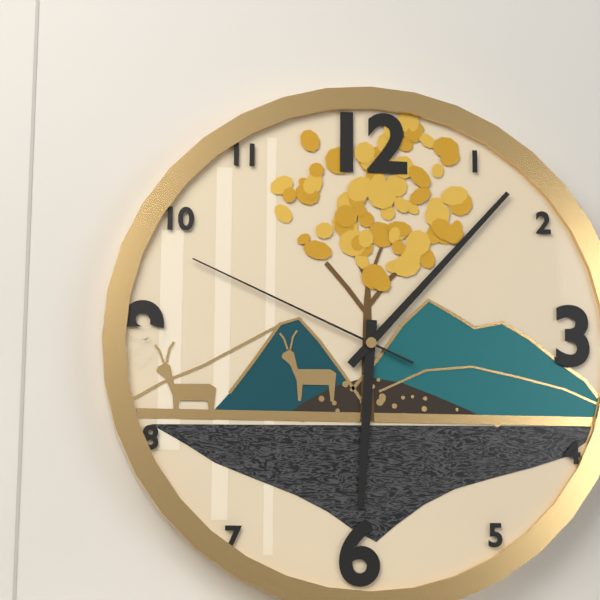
6:07:49
